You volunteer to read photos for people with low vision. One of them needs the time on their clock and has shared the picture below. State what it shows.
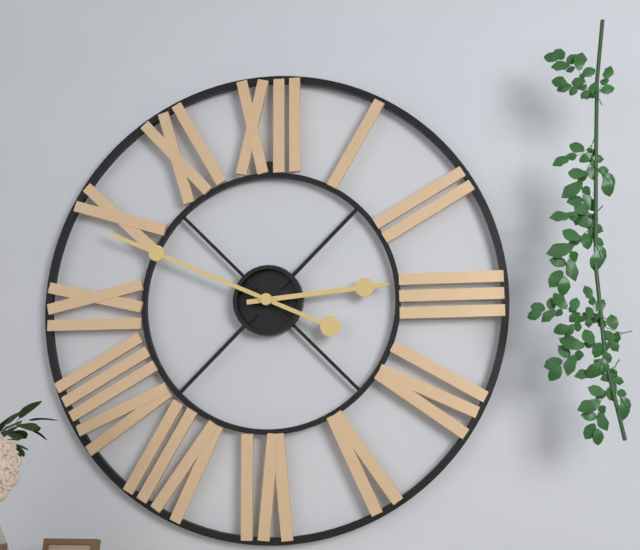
2:49
